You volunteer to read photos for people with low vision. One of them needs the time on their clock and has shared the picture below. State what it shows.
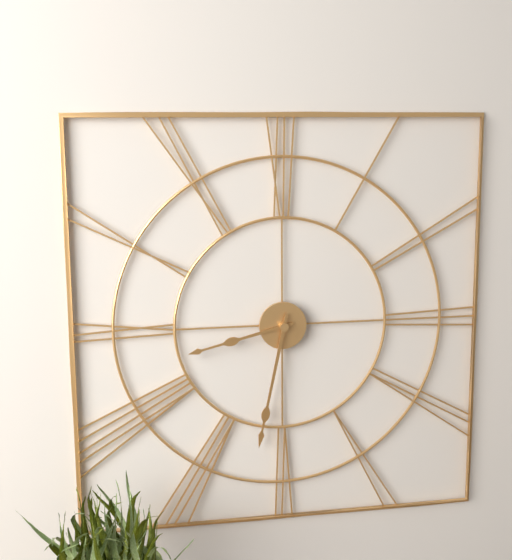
8:32
